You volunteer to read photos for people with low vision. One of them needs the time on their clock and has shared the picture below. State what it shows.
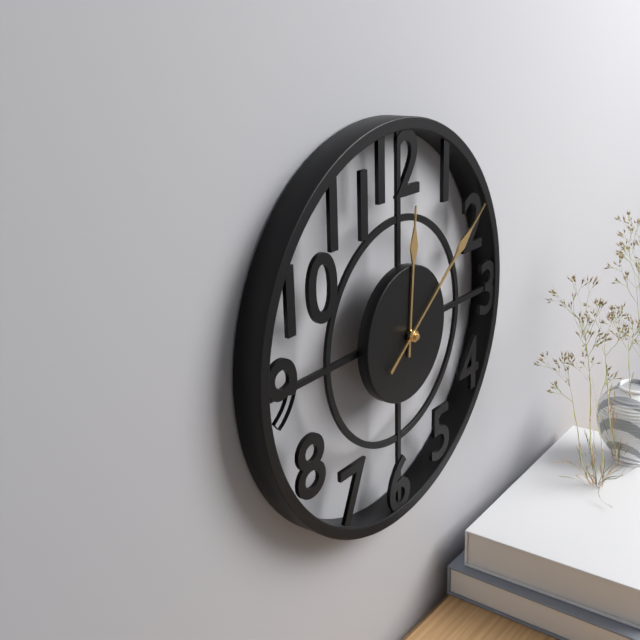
12:09
